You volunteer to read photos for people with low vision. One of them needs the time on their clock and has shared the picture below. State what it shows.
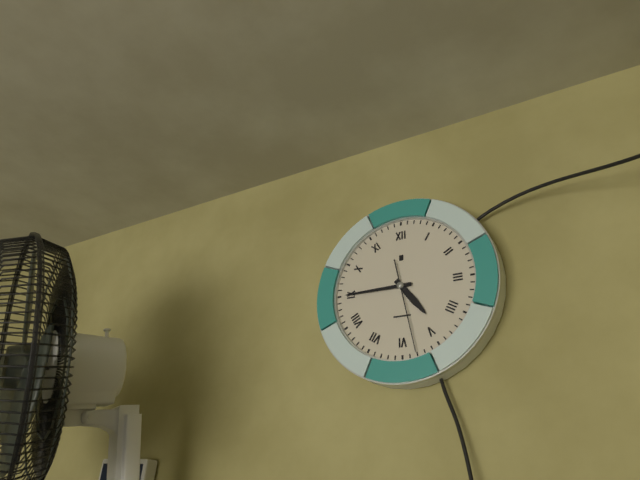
4:45:28
